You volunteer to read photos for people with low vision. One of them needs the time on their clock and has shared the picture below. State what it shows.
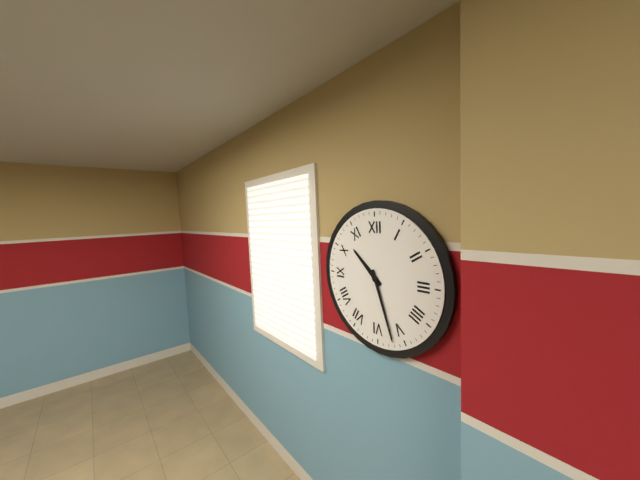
10:27
